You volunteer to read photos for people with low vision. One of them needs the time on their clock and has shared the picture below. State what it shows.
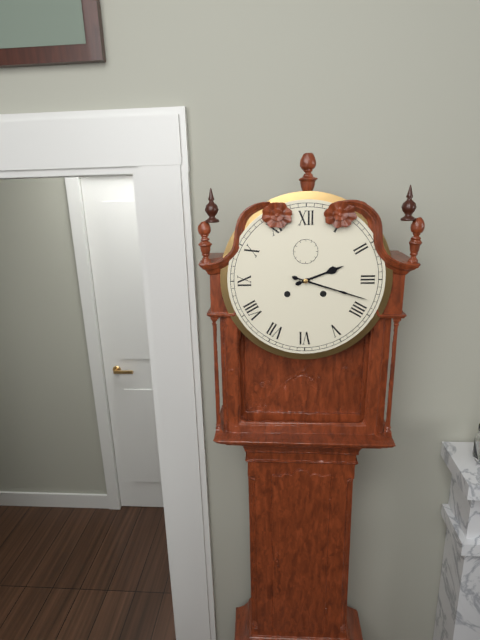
2:18
